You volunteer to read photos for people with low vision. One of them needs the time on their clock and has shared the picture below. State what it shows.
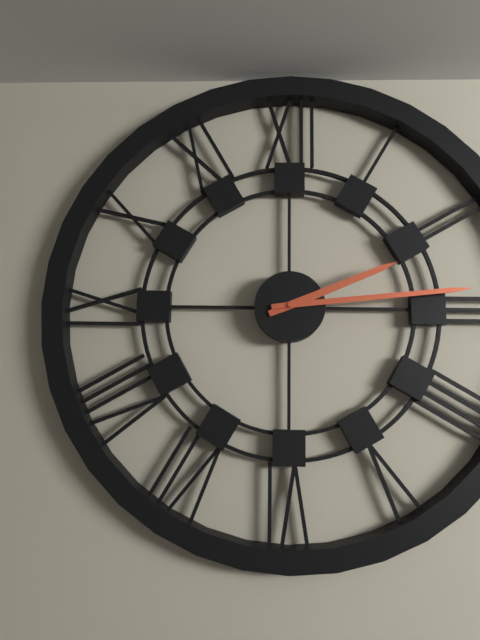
2:14
